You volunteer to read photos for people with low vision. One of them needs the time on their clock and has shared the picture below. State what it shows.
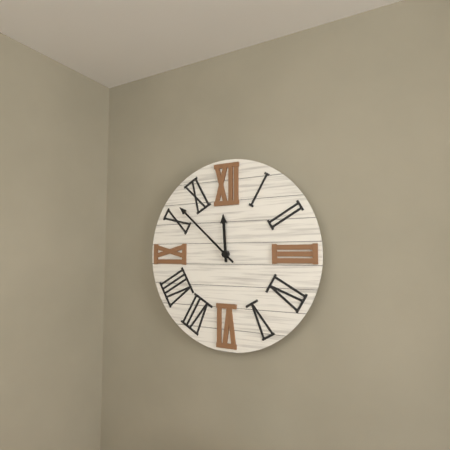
11:52
